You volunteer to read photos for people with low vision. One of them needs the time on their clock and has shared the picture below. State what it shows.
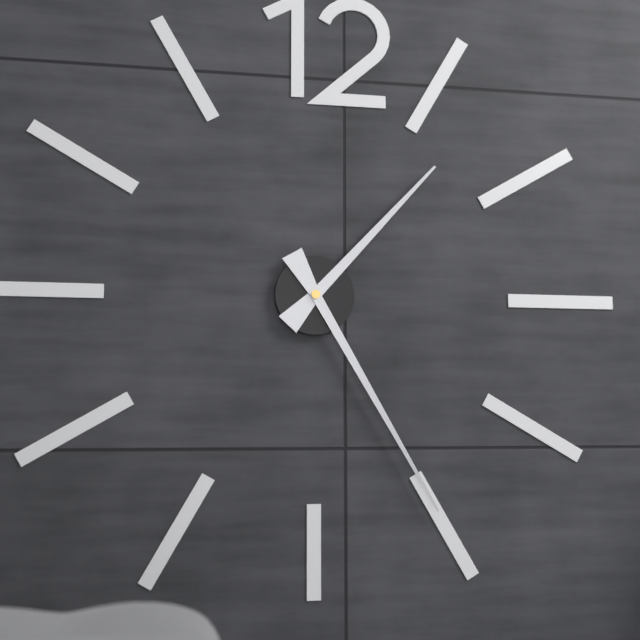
1:25
